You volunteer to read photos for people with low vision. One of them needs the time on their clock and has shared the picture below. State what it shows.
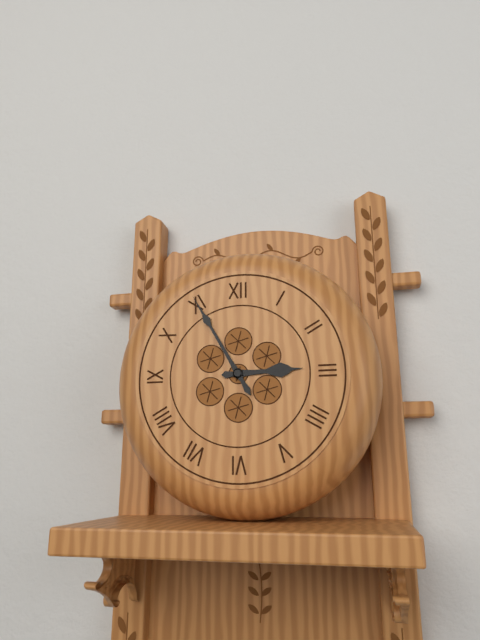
2:55
